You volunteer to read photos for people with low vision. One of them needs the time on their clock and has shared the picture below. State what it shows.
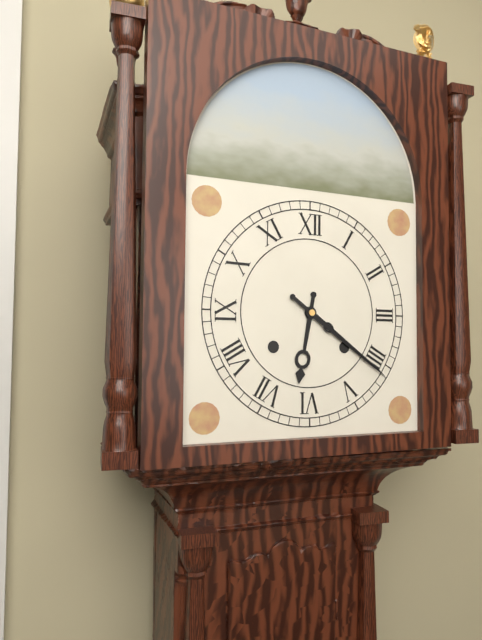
6:21
